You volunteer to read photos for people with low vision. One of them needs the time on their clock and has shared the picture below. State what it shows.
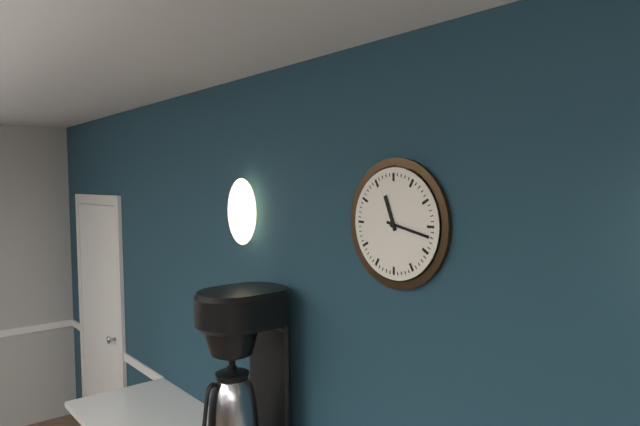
11:17
